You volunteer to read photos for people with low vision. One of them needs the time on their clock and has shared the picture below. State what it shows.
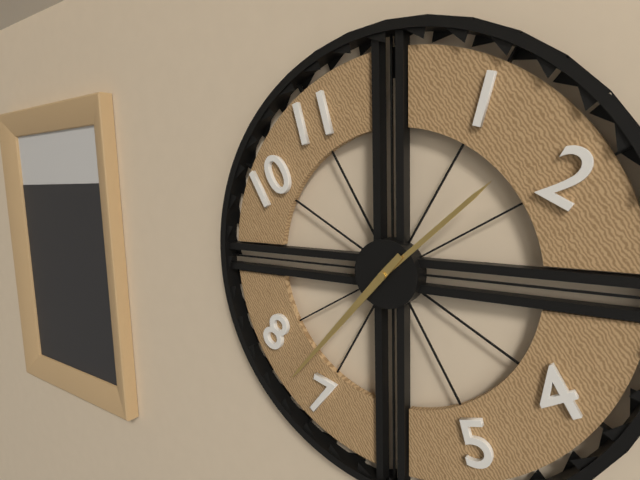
1:37
